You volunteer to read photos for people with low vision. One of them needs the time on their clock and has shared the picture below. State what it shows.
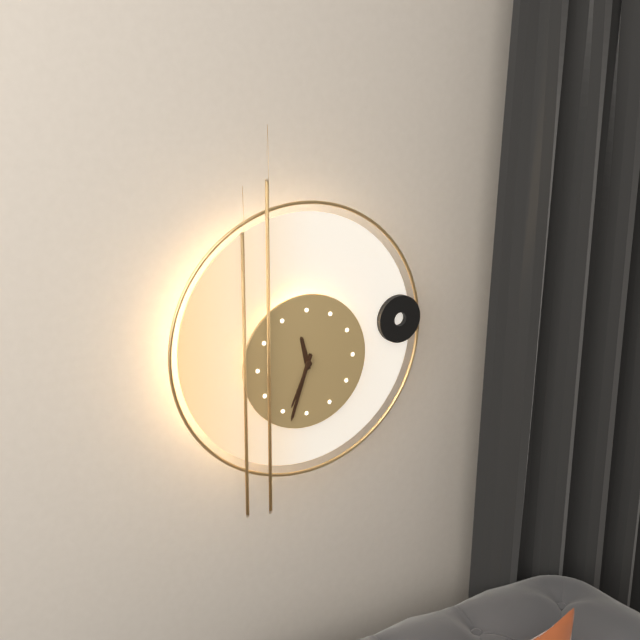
11:33:34
